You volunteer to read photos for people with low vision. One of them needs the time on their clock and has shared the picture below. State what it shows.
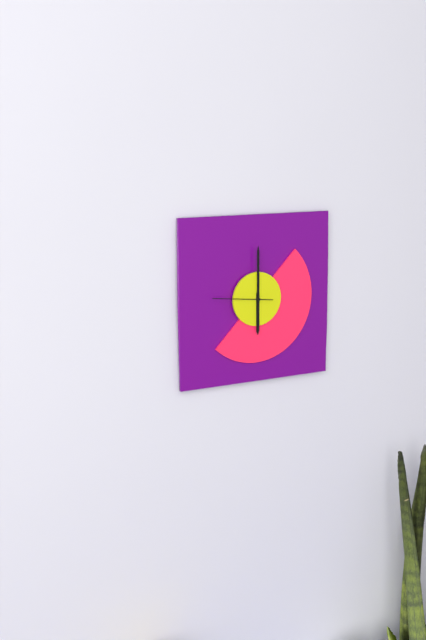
6:00:46
